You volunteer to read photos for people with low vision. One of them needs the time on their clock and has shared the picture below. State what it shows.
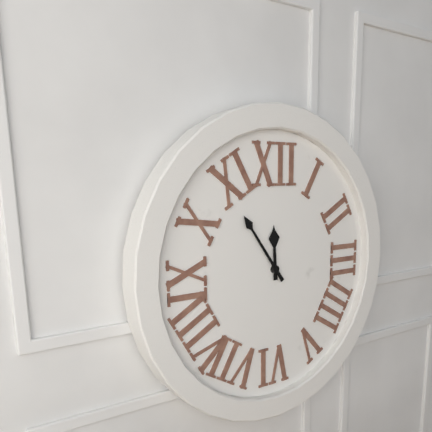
11:54
